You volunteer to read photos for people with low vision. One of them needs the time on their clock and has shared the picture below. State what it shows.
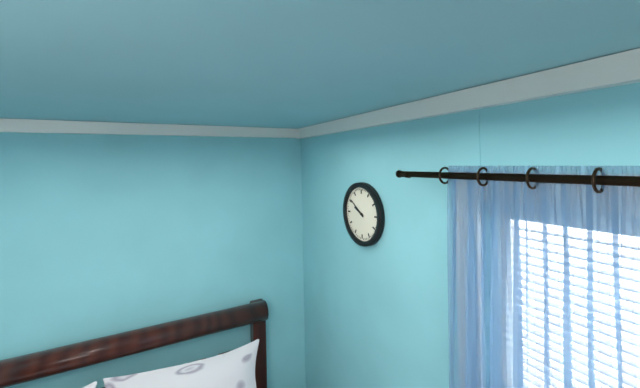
9:51
